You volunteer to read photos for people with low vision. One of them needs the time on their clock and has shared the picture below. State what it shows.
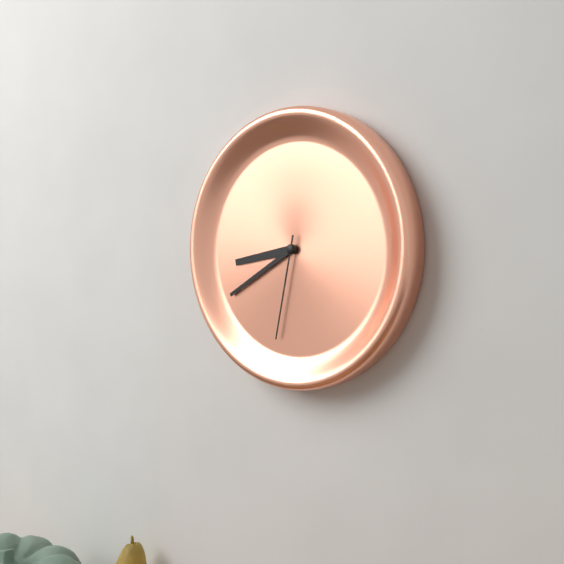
8:40:32
